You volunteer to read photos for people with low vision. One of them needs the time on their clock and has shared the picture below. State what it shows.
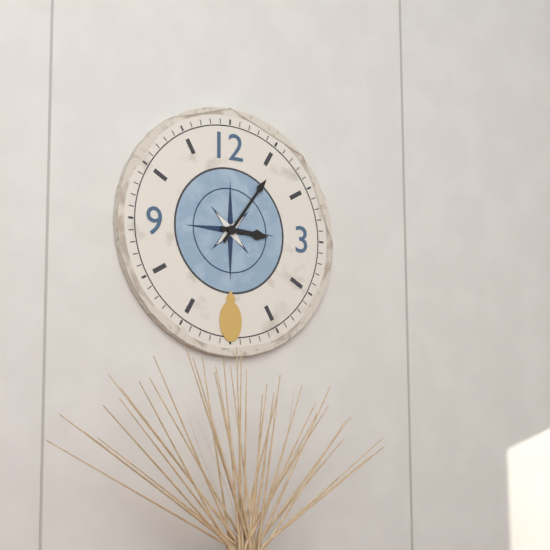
3:06
